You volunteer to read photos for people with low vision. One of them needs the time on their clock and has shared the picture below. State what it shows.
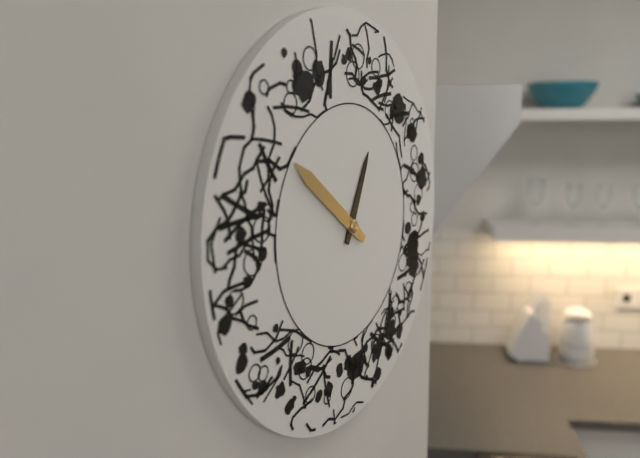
12:51
